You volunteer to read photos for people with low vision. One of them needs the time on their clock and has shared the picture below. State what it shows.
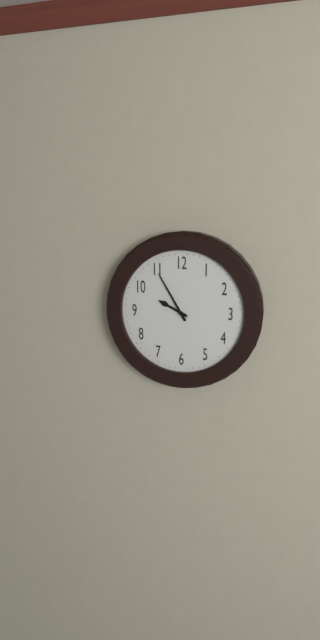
9:55
